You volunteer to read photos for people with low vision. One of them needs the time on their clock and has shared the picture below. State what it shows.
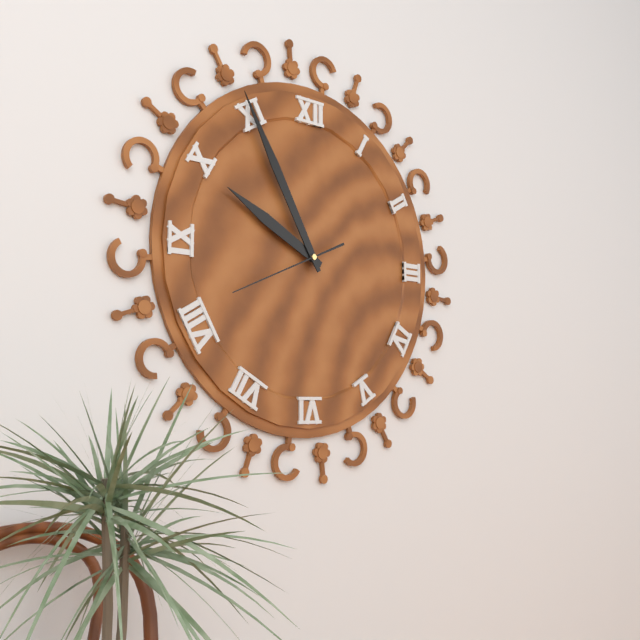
9:55:41
